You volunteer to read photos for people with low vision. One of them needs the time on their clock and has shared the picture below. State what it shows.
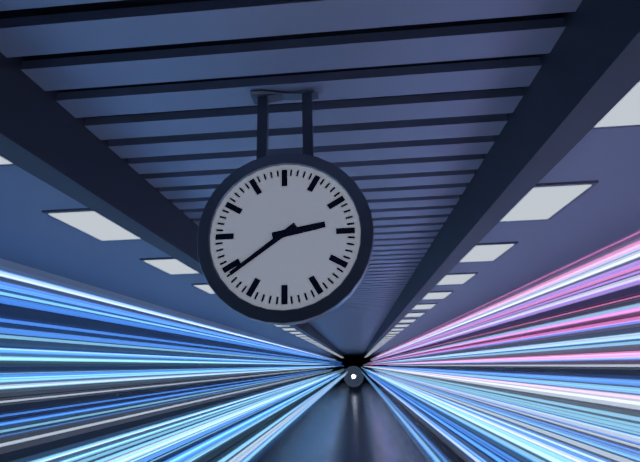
2:39
